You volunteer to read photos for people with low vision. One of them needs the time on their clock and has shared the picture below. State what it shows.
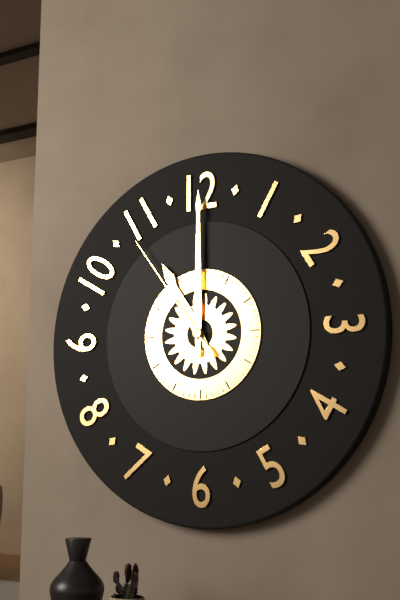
11:00:54
